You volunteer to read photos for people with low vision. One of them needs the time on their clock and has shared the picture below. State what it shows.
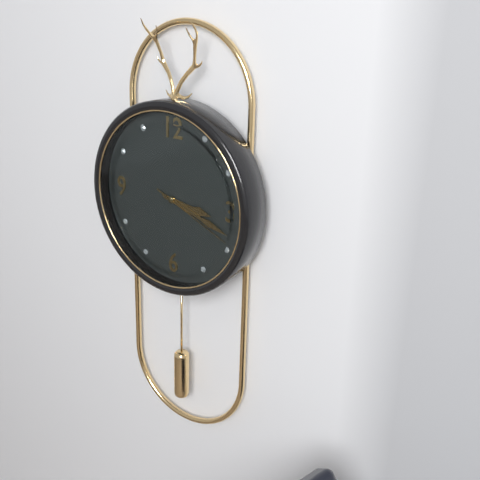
3:18:19
